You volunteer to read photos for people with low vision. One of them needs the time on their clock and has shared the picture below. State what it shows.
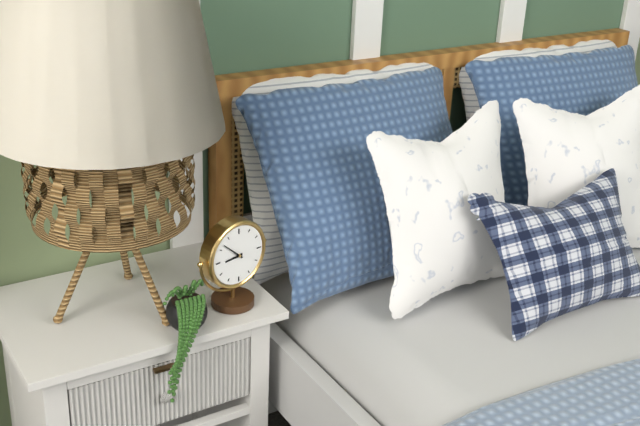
8:52
